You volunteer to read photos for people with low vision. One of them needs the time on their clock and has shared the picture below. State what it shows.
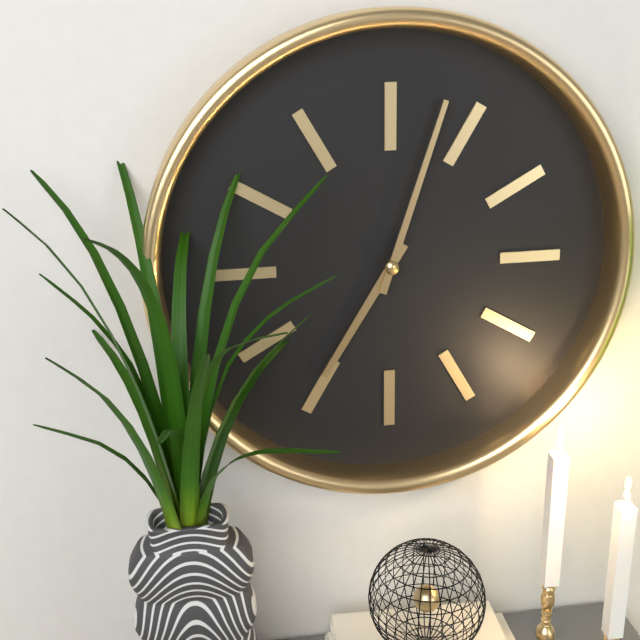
7:03
